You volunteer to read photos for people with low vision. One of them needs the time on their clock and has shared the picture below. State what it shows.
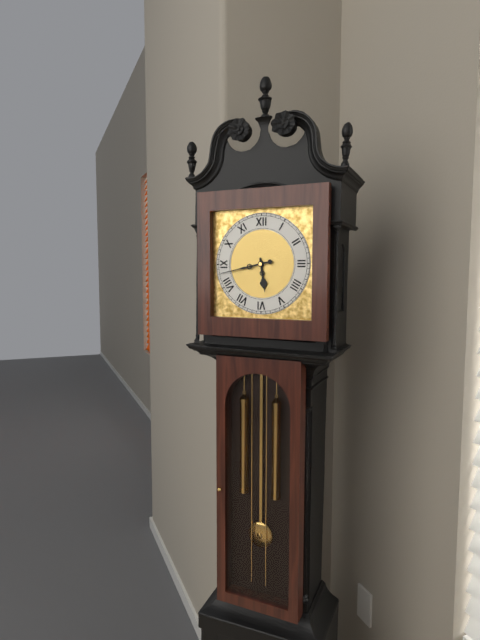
5:43
